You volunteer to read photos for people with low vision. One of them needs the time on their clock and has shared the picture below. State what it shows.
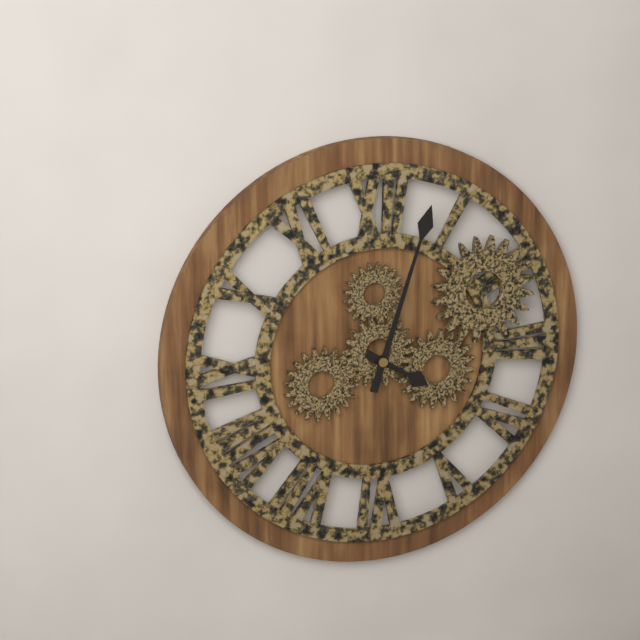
4:03
